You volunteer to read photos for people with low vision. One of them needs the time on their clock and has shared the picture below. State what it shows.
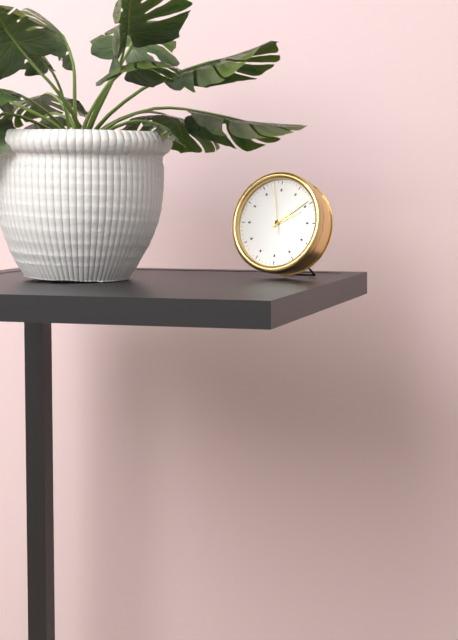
2:09
